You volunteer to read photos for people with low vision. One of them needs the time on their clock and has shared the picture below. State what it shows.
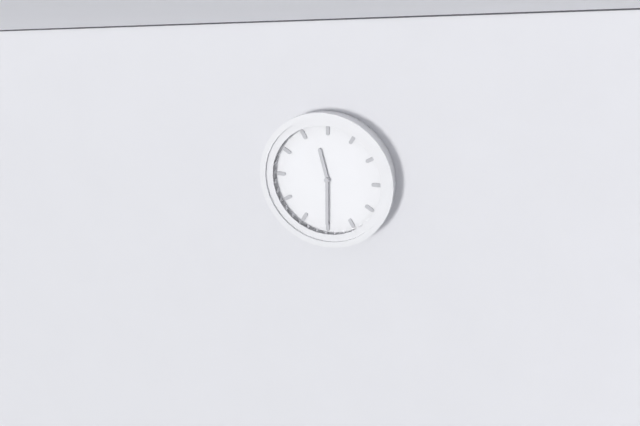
11:30
